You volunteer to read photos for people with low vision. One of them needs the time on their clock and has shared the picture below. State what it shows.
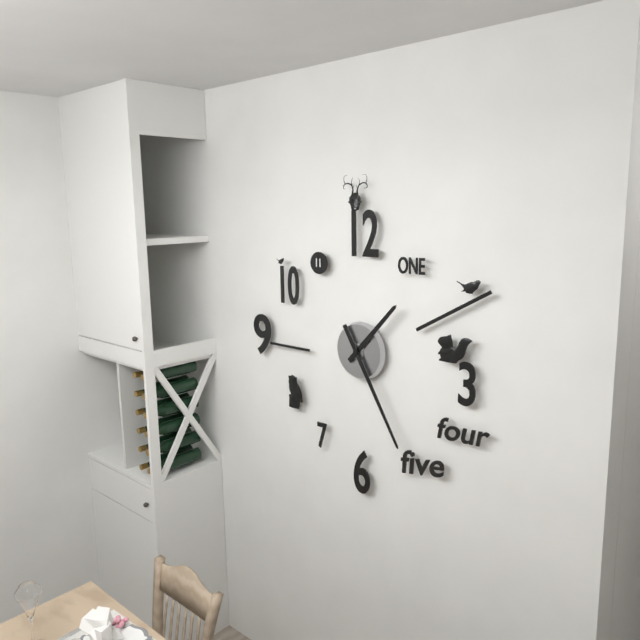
1:25
